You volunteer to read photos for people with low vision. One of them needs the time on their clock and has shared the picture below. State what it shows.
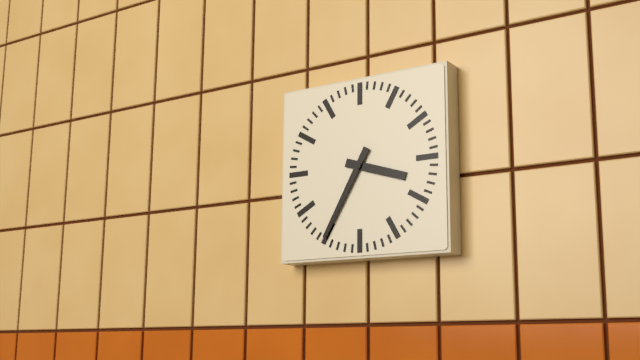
3:35
